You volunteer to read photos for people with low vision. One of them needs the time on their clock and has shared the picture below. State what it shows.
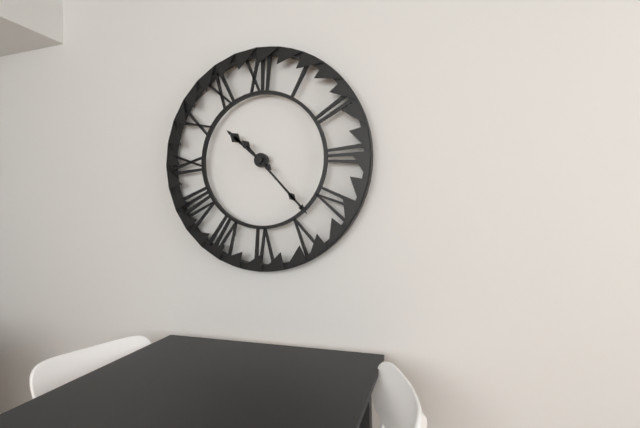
10:23
